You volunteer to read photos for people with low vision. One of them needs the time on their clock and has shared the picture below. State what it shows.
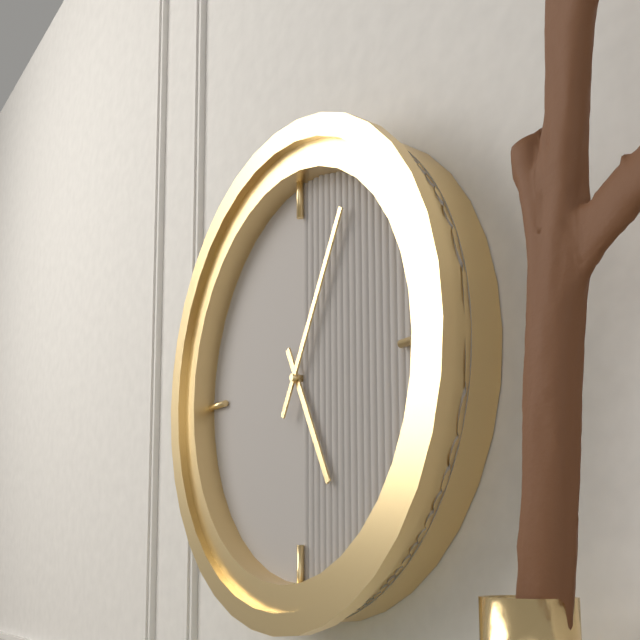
5:05
